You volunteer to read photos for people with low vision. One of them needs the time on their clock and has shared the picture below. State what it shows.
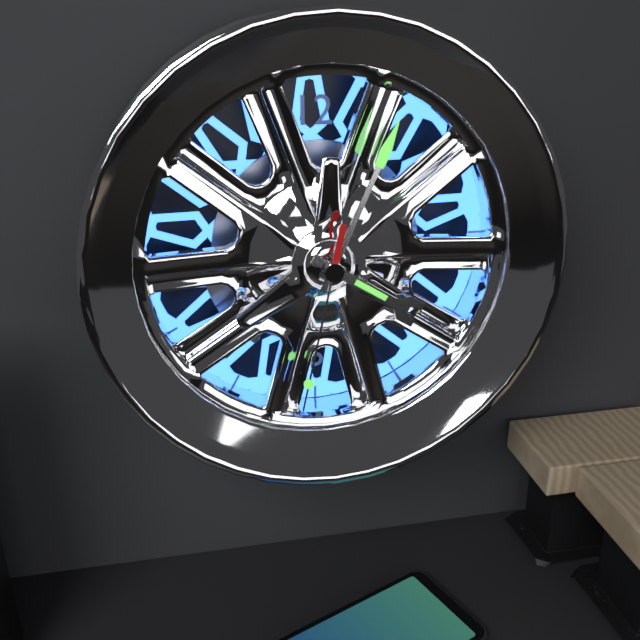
4:04:32
